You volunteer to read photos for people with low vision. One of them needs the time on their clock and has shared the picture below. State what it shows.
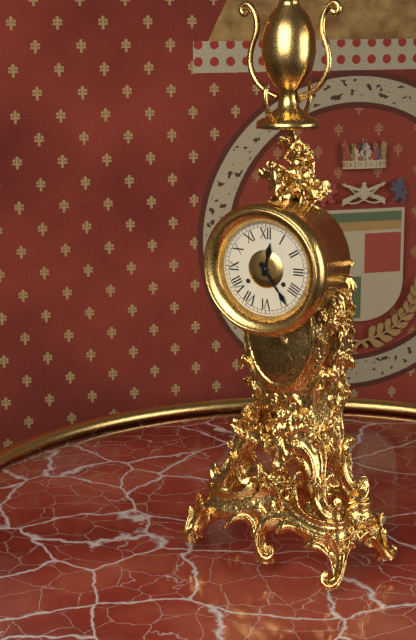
12:24
